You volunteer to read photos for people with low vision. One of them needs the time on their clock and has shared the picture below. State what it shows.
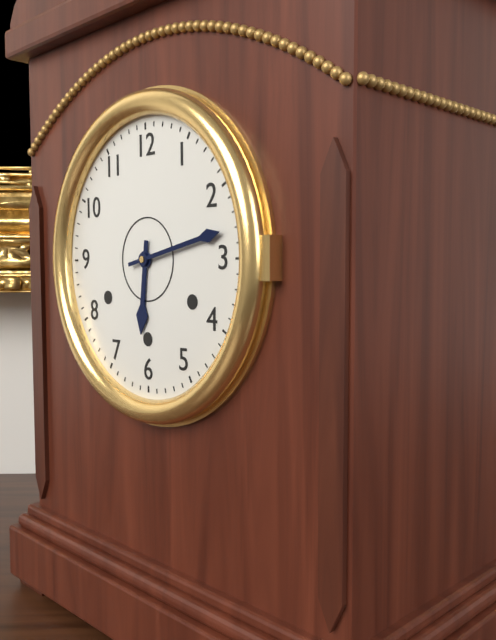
6:13
